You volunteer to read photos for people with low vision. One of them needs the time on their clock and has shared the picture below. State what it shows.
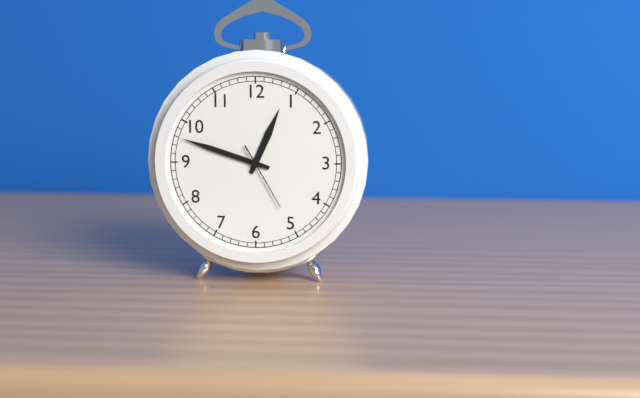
12:48:25
